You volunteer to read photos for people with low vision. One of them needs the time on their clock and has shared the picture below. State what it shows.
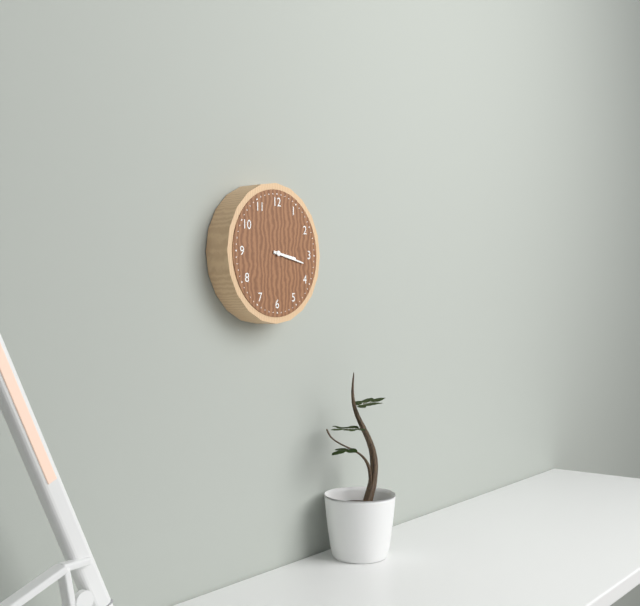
3:17
